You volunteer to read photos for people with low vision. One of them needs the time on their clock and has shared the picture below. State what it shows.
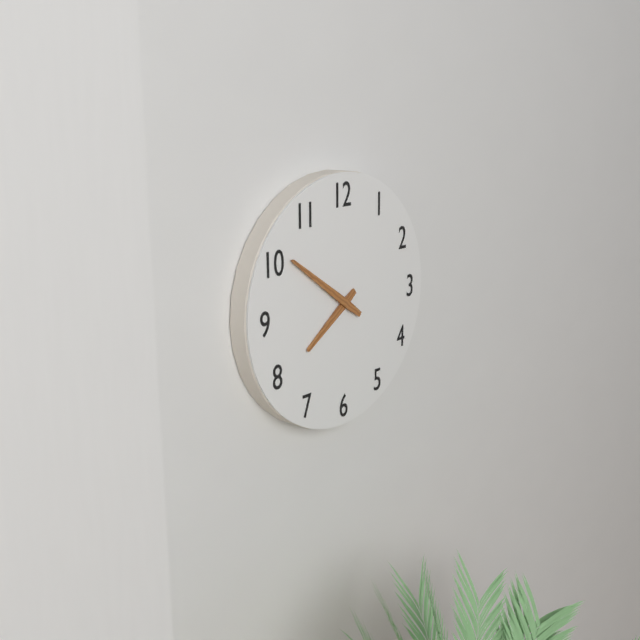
7:51
